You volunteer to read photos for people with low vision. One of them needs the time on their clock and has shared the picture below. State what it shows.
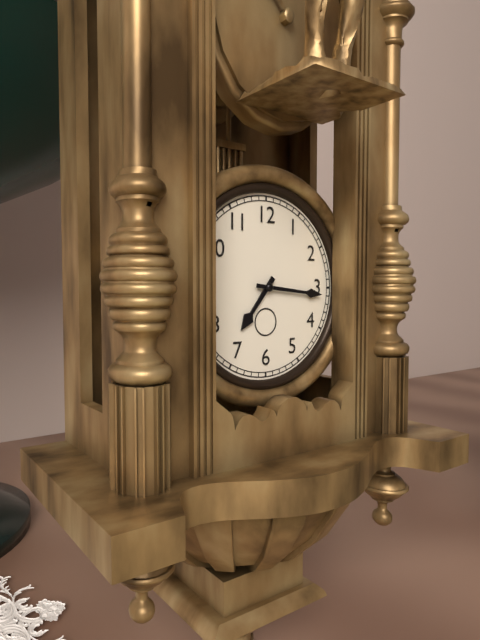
7:16
